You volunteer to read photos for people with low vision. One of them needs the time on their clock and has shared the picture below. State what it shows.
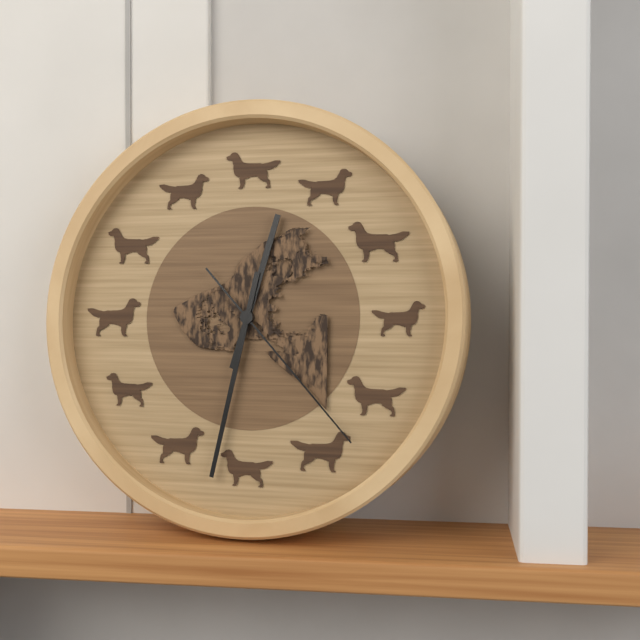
12:32:23
